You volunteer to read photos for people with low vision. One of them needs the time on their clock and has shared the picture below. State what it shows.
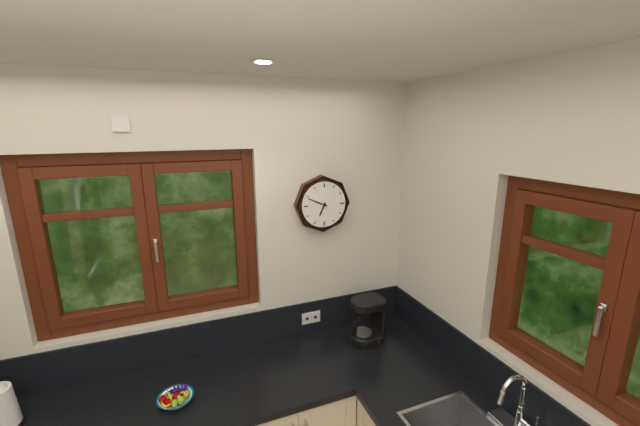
6:49
